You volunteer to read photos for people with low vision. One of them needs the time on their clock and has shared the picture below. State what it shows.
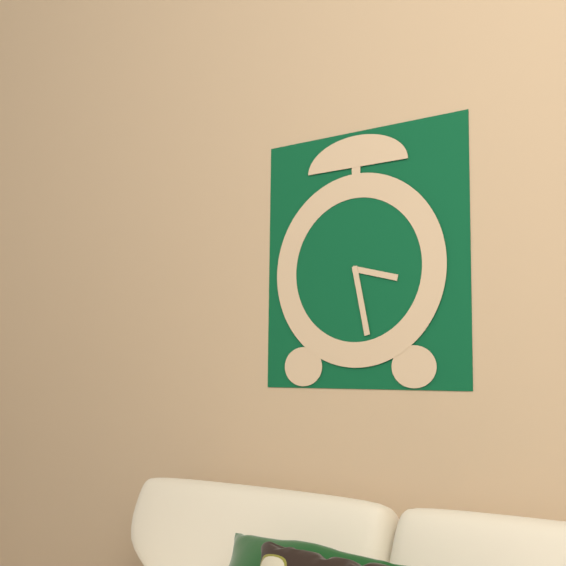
3:28
